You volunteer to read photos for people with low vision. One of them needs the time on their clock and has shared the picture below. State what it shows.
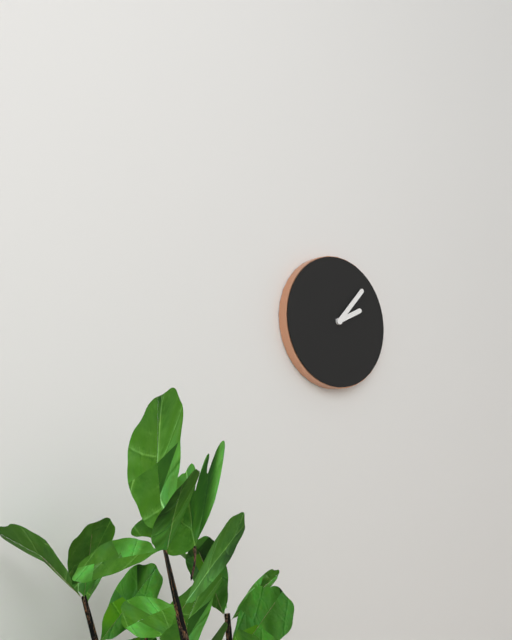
2:07
